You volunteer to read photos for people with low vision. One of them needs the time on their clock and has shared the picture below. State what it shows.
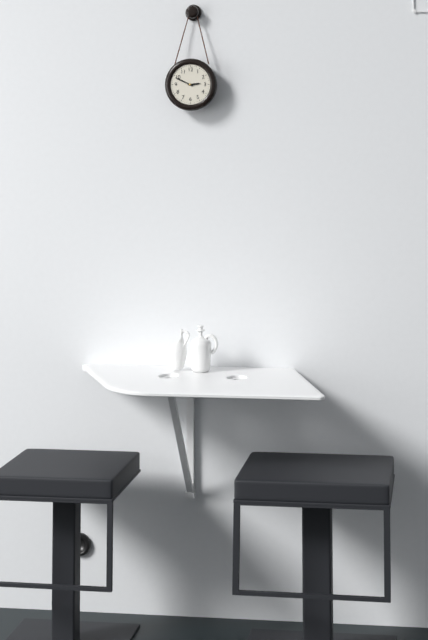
2:49
